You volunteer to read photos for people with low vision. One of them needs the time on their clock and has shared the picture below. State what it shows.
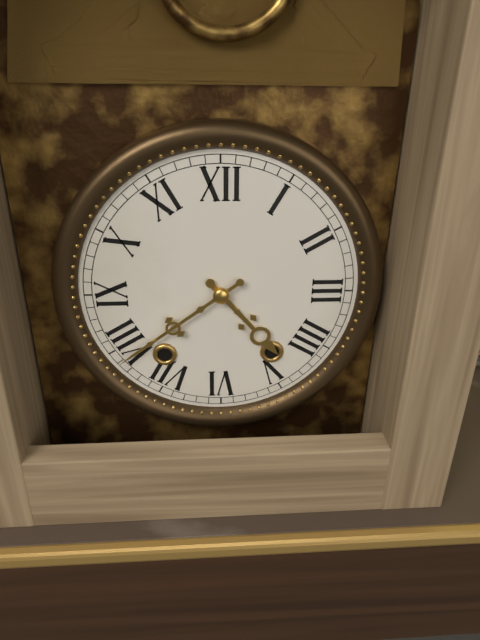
4:39
